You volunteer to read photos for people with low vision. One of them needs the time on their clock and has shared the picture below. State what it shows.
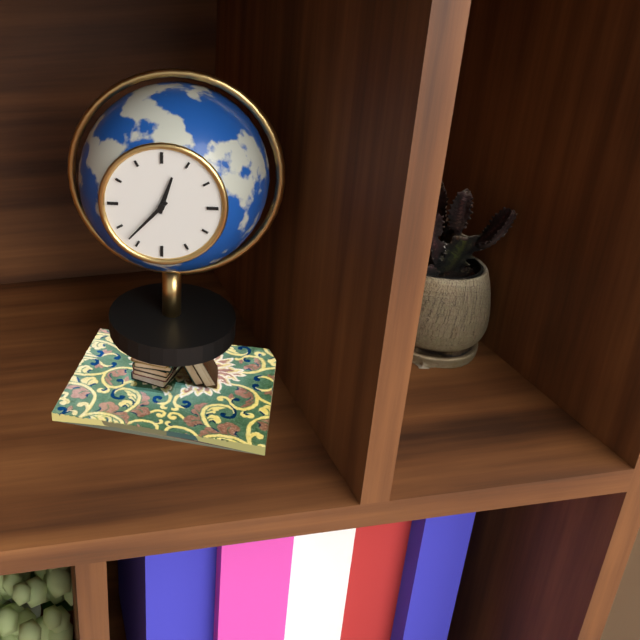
12:37
